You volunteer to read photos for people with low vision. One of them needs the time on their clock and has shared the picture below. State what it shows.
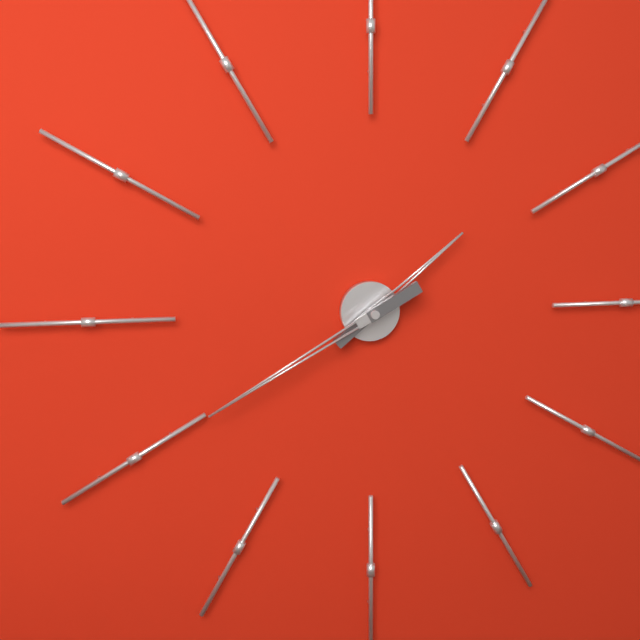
1:40
